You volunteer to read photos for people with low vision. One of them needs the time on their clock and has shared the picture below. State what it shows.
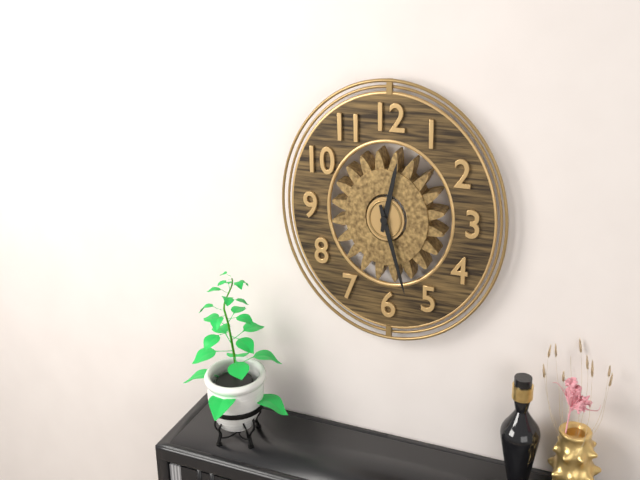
12:27
